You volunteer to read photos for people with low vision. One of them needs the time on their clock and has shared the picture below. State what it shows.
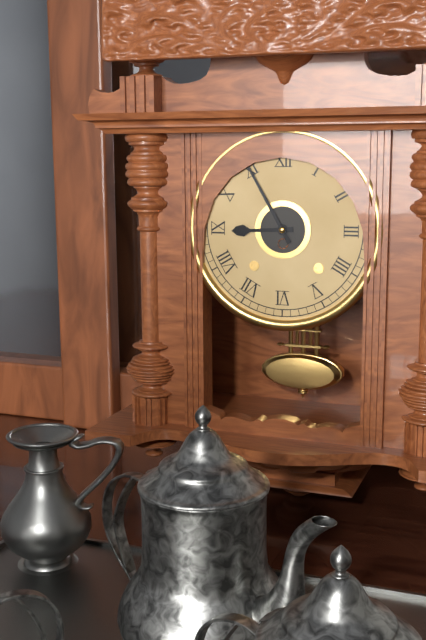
8:55
